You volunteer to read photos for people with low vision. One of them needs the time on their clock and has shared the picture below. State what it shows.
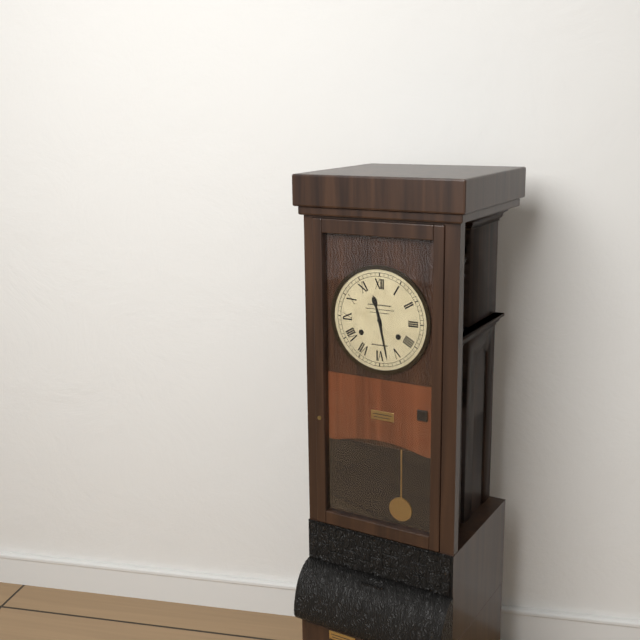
11:28
